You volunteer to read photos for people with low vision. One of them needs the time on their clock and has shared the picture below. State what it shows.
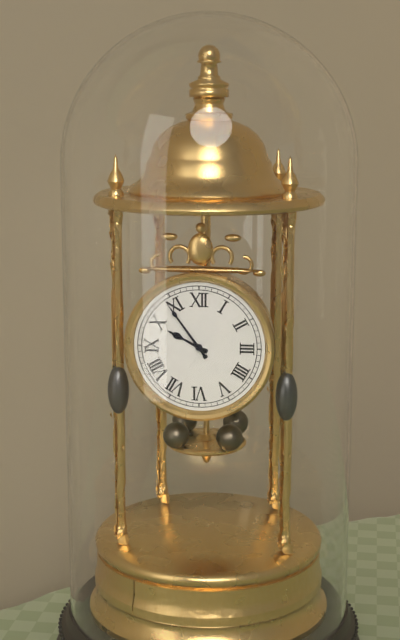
9:54
